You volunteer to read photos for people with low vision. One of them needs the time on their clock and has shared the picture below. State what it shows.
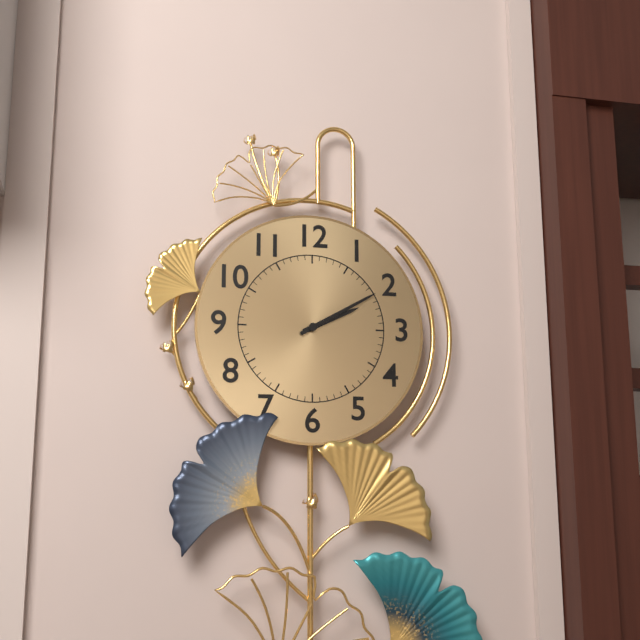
2:10
